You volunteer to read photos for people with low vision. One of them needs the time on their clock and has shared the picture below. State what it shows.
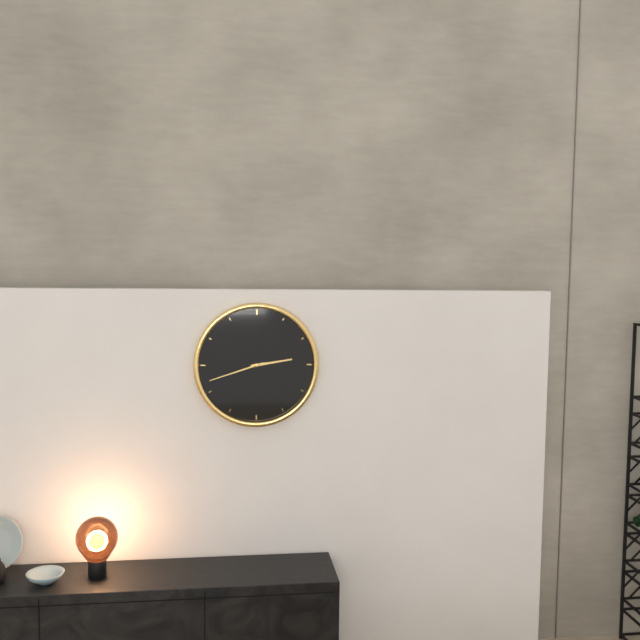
2:42
